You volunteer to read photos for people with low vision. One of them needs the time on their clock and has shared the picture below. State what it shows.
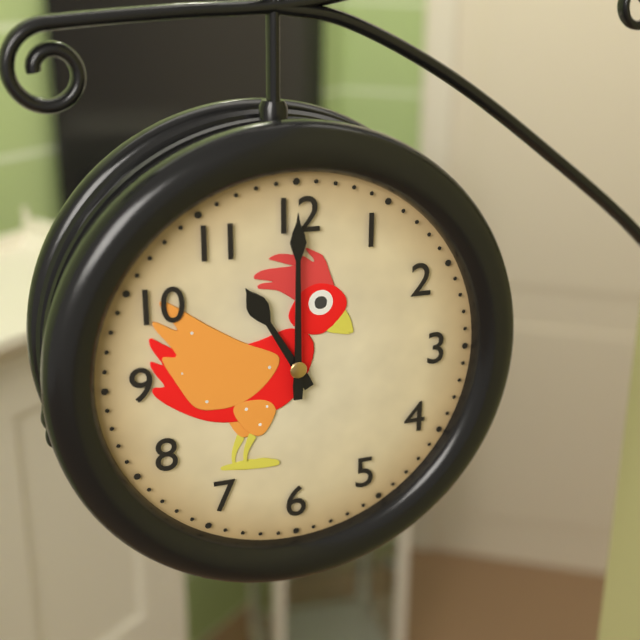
11:00
